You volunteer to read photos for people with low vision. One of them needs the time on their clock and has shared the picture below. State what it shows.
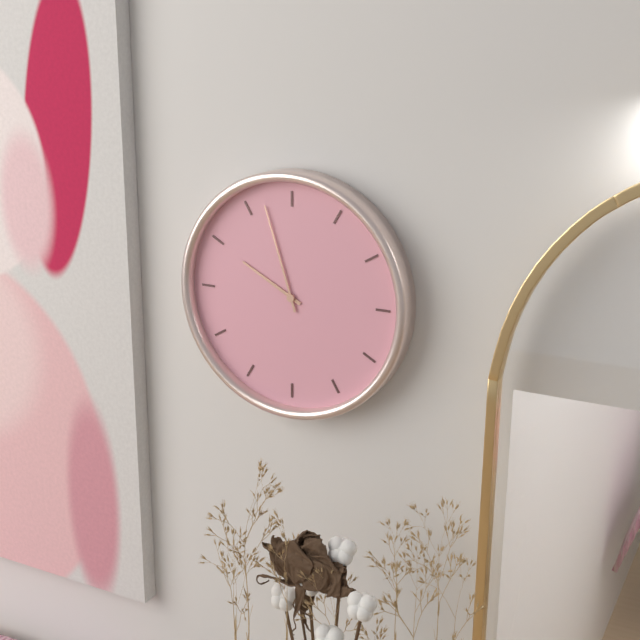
9:57
